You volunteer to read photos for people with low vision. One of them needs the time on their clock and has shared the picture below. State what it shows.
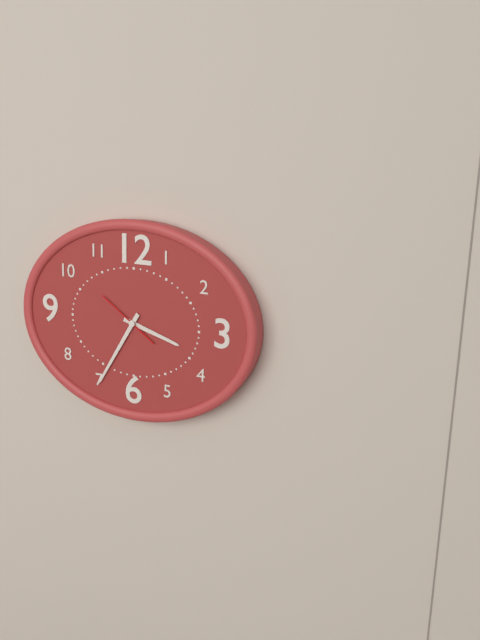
3:35:51
